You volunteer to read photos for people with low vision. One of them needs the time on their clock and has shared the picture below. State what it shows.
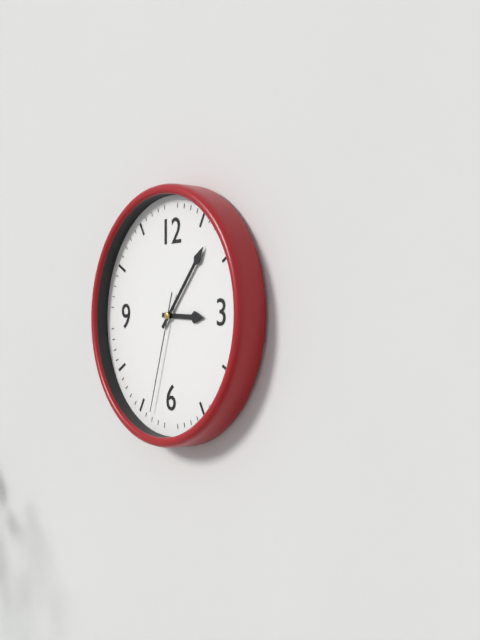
3:07:33
